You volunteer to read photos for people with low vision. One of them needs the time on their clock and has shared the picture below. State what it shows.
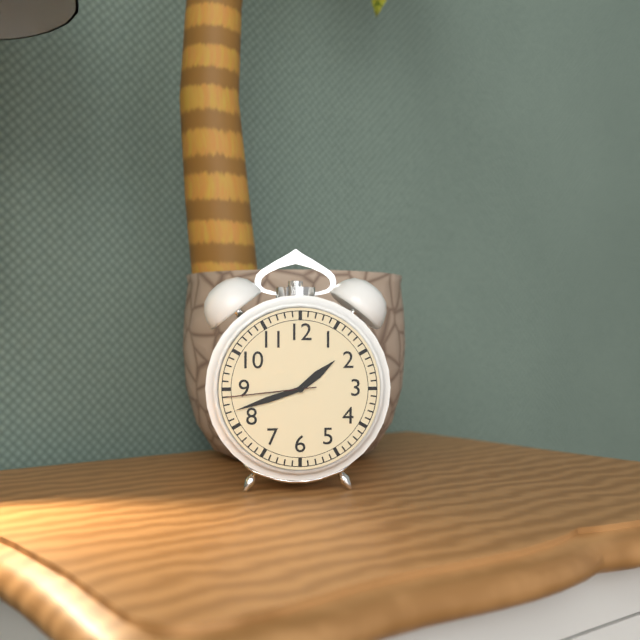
1:42:44
